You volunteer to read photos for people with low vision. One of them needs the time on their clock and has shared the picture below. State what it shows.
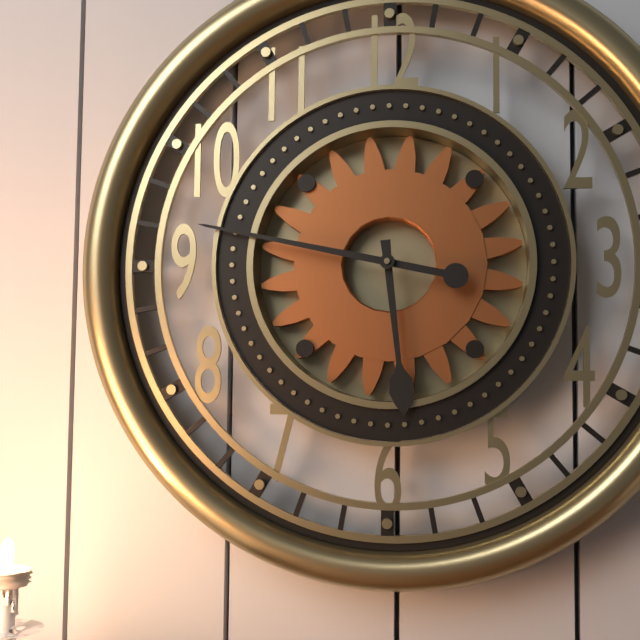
5:47
